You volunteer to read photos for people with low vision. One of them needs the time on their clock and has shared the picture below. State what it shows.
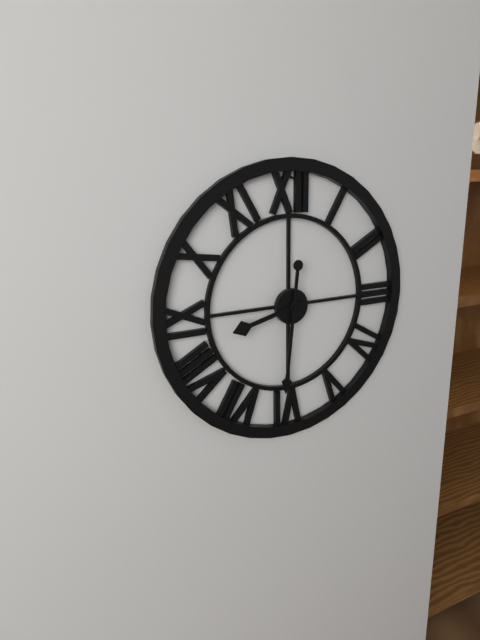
8:31
